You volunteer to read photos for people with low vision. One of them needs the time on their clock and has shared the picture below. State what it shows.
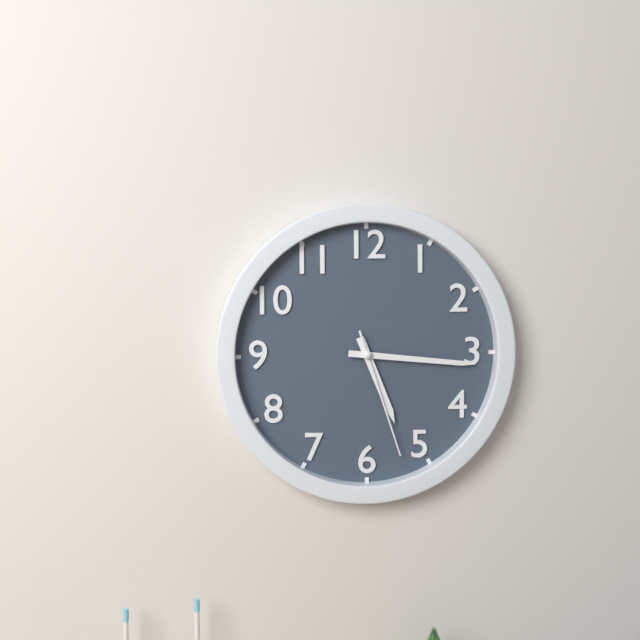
5:16:27
